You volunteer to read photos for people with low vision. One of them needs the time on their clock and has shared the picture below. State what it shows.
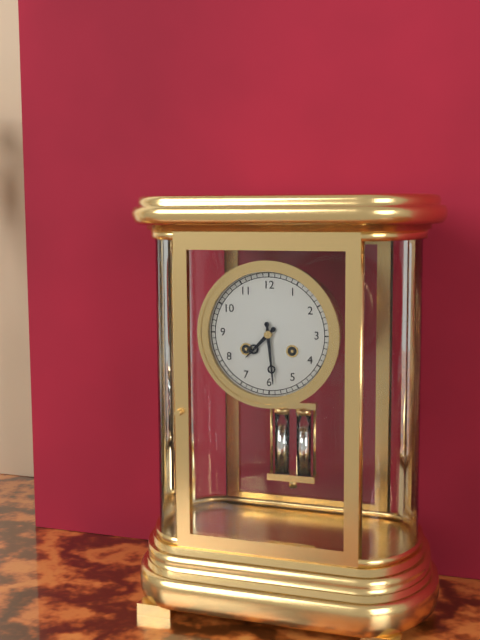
7:29
